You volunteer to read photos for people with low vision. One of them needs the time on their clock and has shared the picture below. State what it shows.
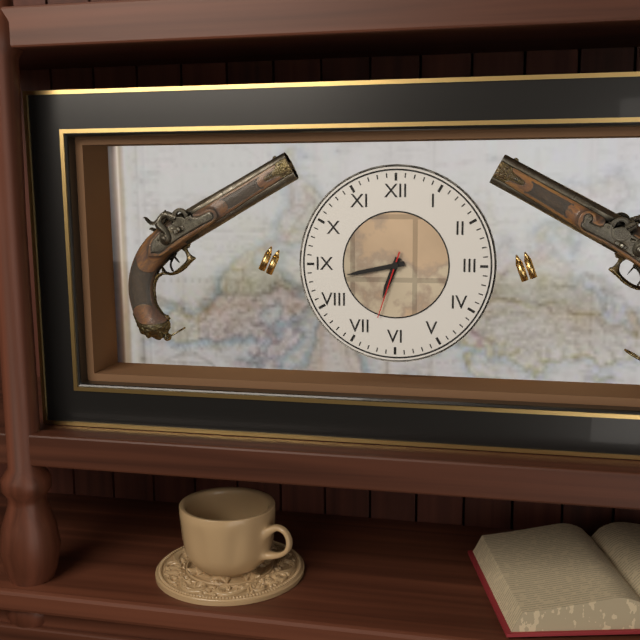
6:43:33
